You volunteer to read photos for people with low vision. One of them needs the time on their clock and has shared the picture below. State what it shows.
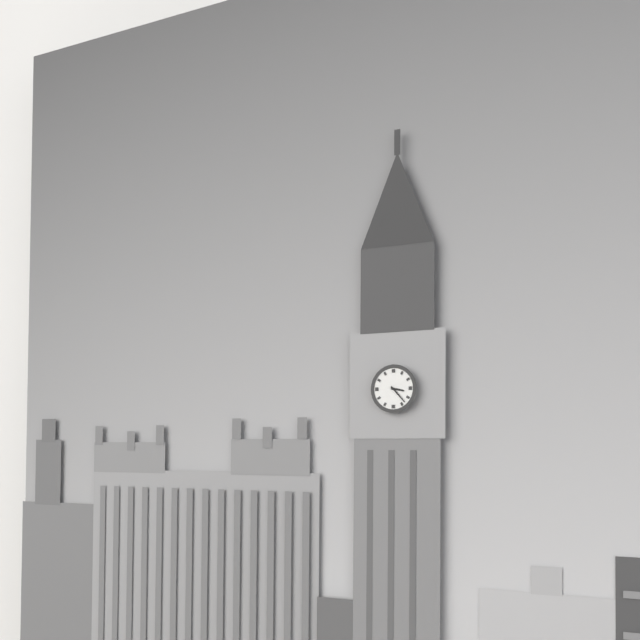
3:23
